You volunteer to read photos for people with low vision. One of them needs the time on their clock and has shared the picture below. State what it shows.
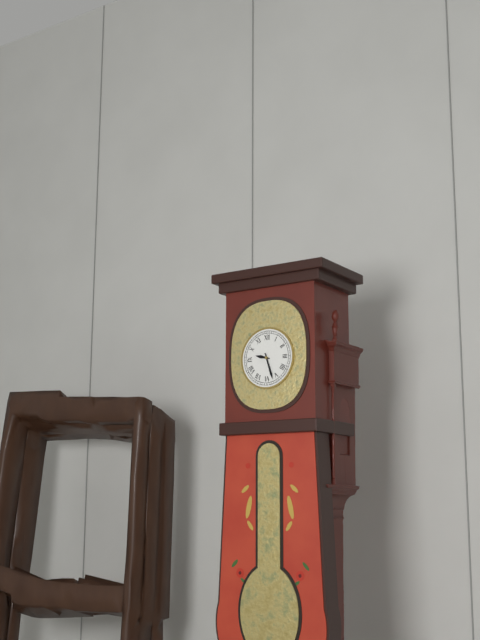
9:27
